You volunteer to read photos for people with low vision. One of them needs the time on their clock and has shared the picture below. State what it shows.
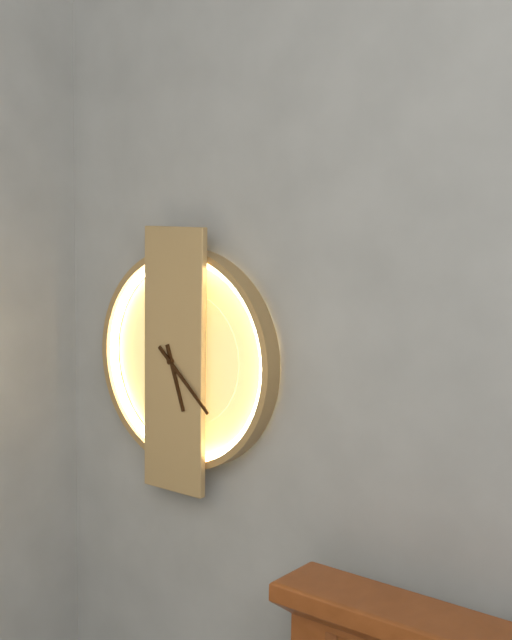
5:22
